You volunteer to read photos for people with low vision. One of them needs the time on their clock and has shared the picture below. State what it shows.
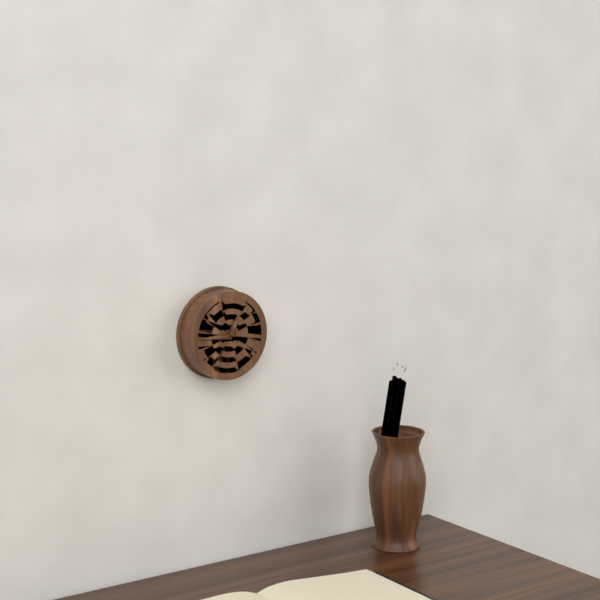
12:45
